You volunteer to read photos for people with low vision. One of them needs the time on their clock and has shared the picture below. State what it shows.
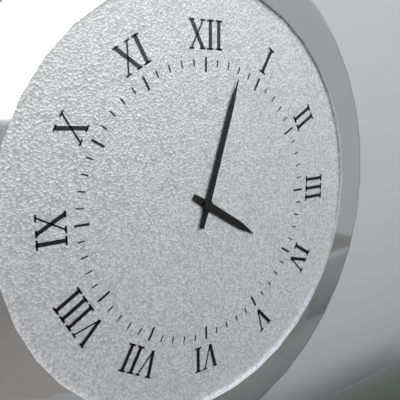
4:03
